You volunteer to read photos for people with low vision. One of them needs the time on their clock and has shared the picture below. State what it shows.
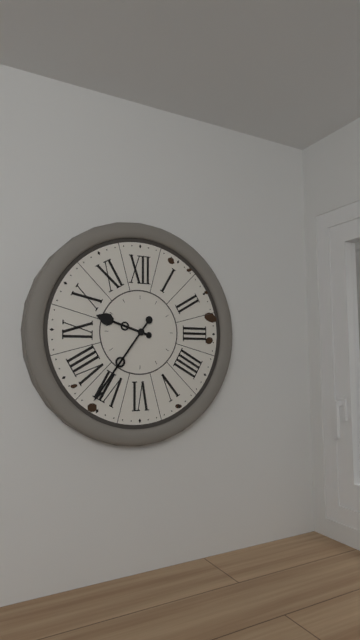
9:36
